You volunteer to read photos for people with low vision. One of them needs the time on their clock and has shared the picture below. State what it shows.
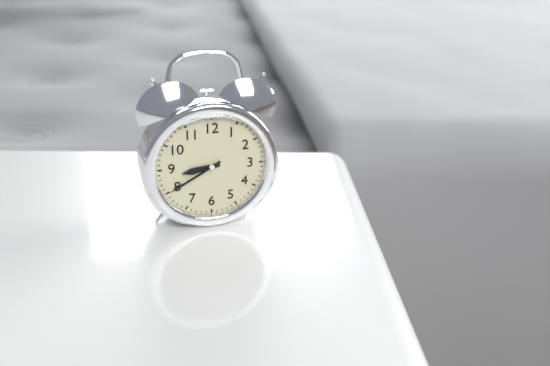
8:40
